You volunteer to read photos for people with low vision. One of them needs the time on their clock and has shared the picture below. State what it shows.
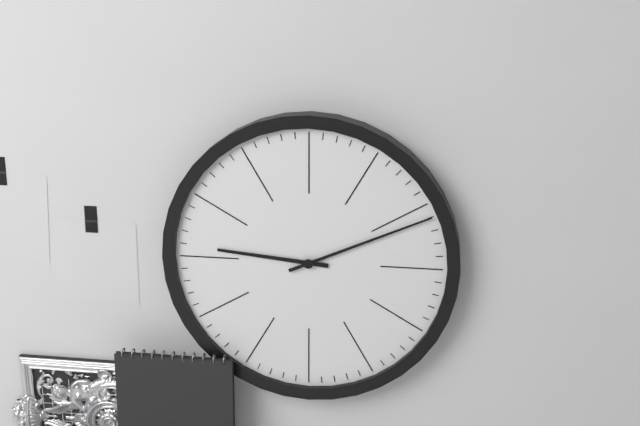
9:11
